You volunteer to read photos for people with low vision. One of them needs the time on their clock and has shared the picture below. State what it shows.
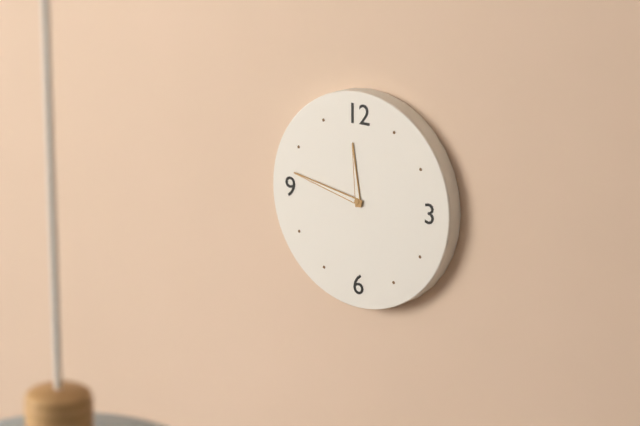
11:47
